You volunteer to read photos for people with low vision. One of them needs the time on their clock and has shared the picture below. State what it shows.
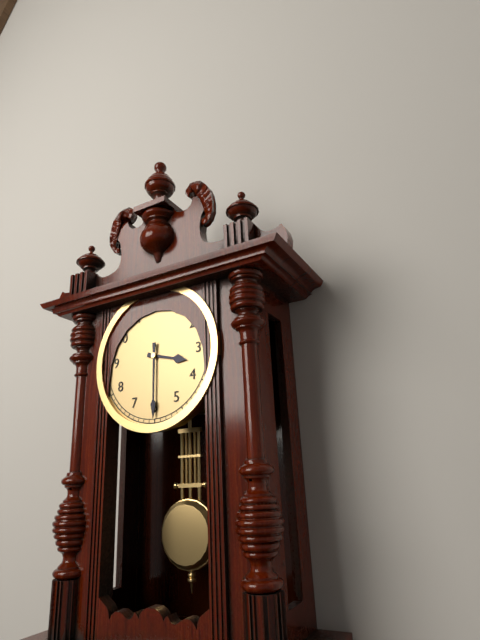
3:30
